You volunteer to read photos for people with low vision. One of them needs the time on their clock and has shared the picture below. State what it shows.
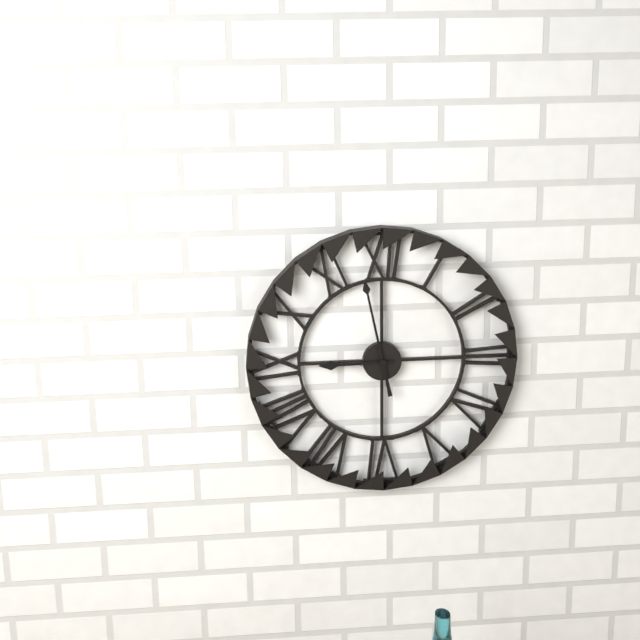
8:58
